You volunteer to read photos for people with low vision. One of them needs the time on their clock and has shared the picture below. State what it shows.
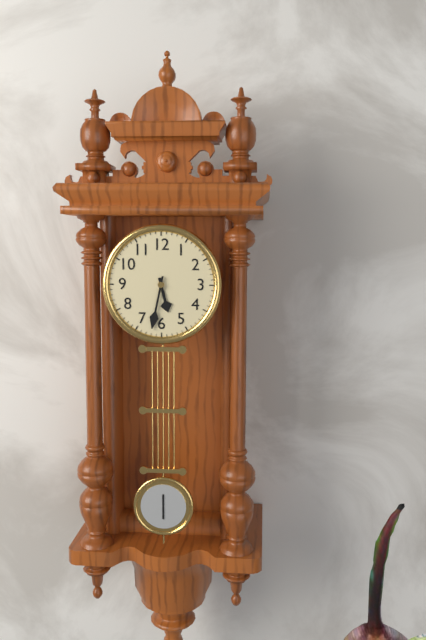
5:32
